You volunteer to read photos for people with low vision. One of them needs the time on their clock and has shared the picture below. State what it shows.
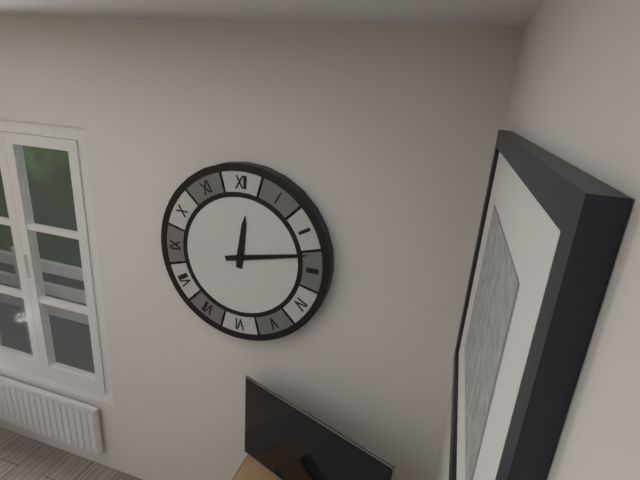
12:13
